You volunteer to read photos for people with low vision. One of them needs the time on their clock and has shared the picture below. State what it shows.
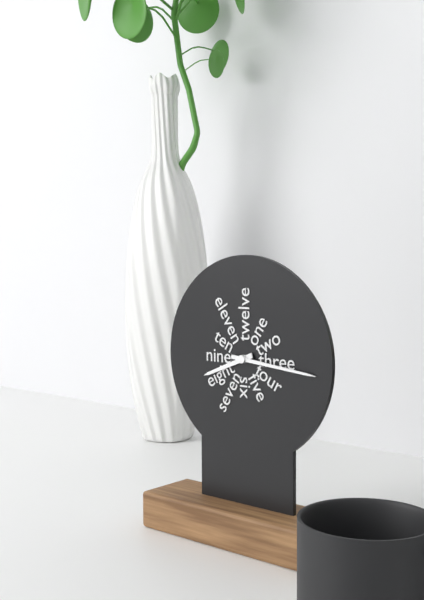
8:16
